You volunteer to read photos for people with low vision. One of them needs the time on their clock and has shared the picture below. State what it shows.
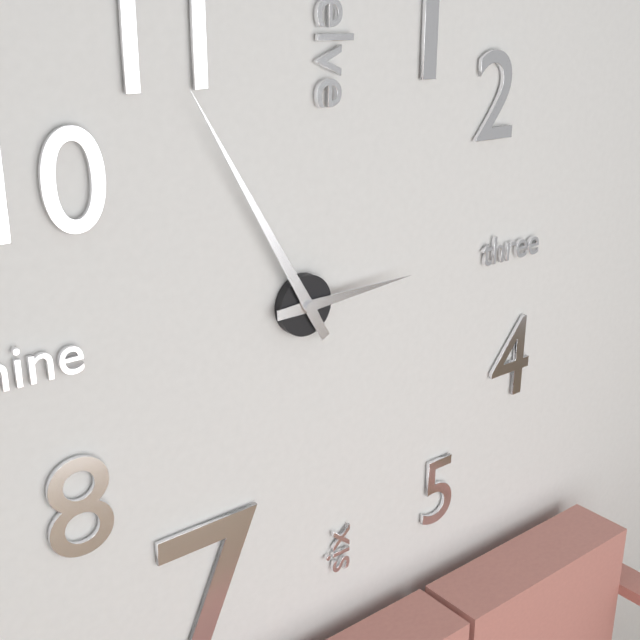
2:55
